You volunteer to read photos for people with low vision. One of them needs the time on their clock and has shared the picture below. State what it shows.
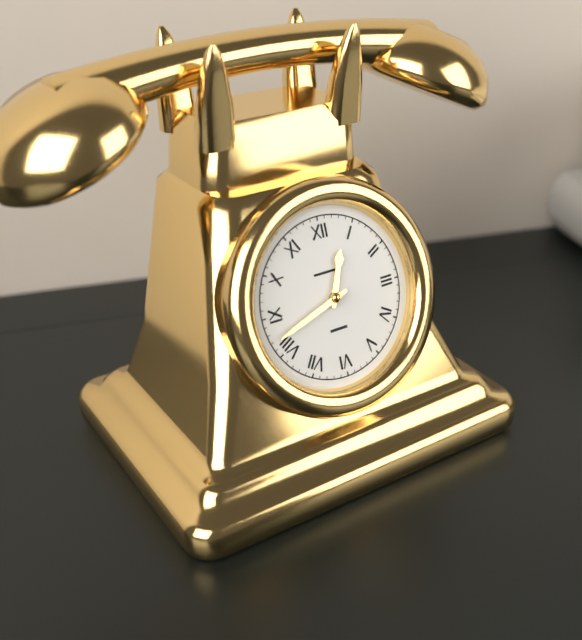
12:42
